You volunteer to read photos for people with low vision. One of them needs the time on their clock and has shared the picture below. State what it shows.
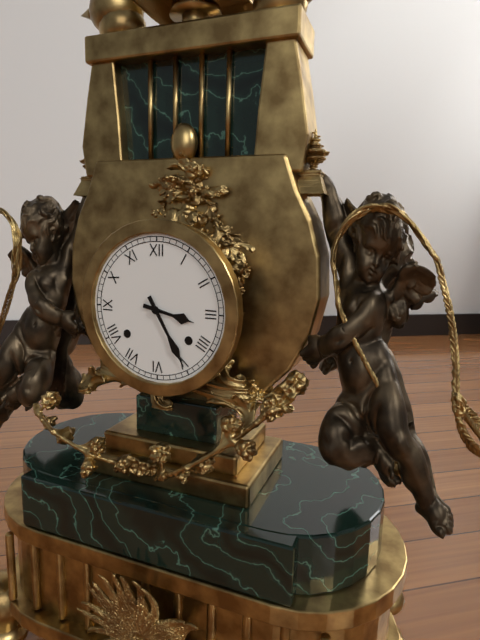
3:25
